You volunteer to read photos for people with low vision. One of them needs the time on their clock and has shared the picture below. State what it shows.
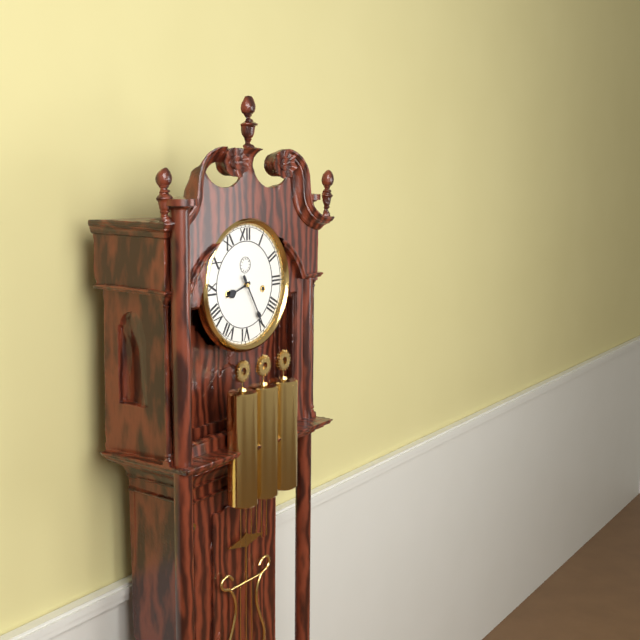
8:25
